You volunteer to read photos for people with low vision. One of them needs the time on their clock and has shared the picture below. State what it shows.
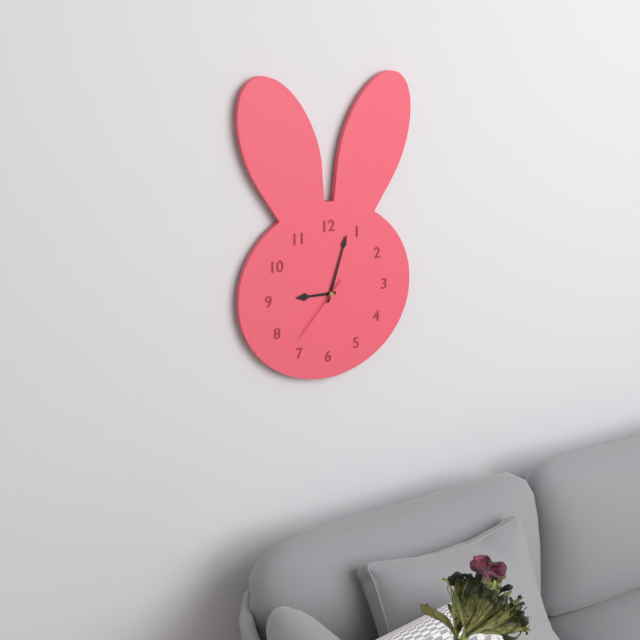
9:03:37
